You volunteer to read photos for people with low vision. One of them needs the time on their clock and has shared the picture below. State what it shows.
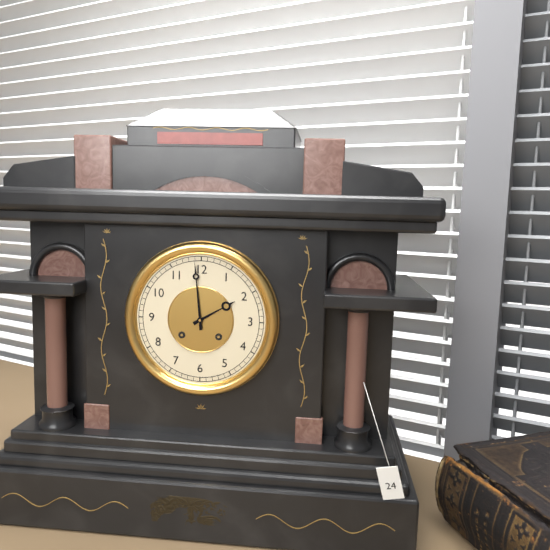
1:59
